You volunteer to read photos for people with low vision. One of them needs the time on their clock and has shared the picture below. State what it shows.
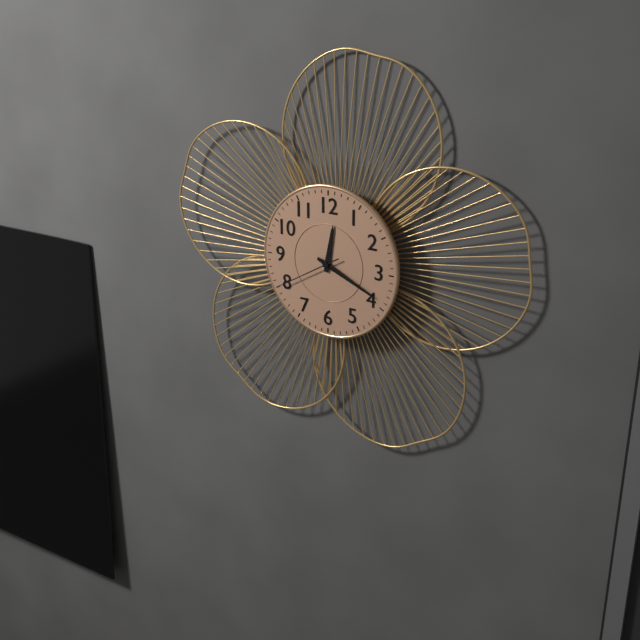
12:19:40
